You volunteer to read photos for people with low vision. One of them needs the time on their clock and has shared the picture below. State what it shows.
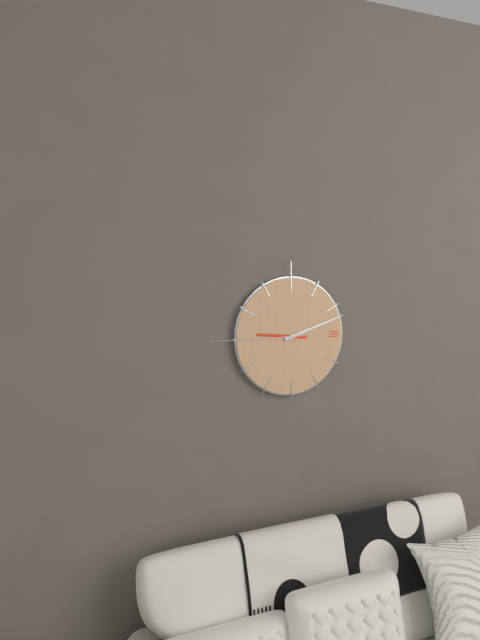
9:12:45
